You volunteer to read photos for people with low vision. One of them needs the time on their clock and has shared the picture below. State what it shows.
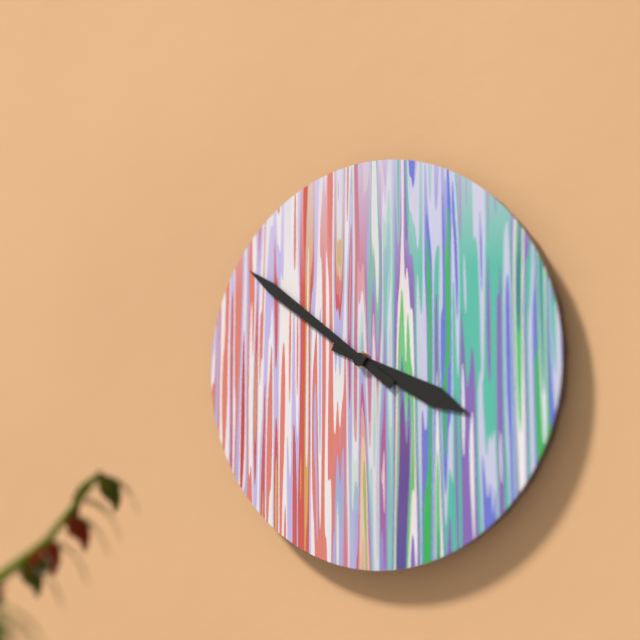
3:51
